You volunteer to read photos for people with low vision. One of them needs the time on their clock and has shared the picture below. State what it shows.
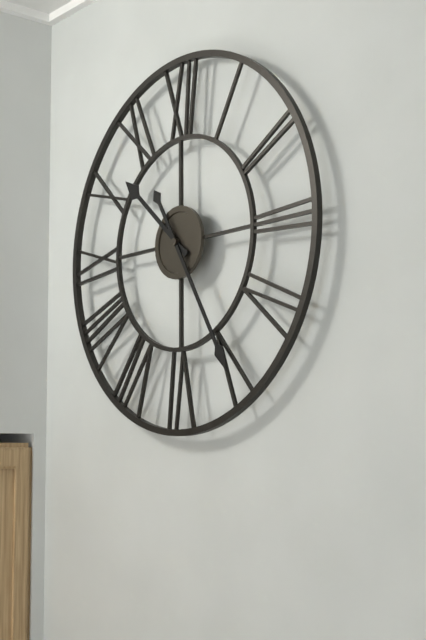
10:25
